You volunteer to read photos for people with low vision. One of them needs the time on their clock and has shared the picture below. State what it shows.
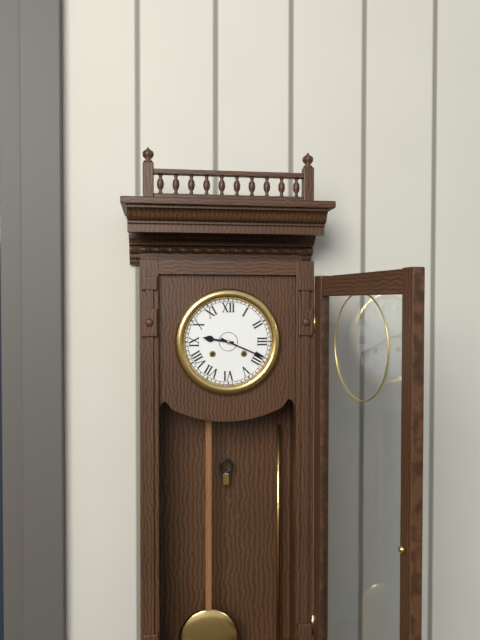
9:19
